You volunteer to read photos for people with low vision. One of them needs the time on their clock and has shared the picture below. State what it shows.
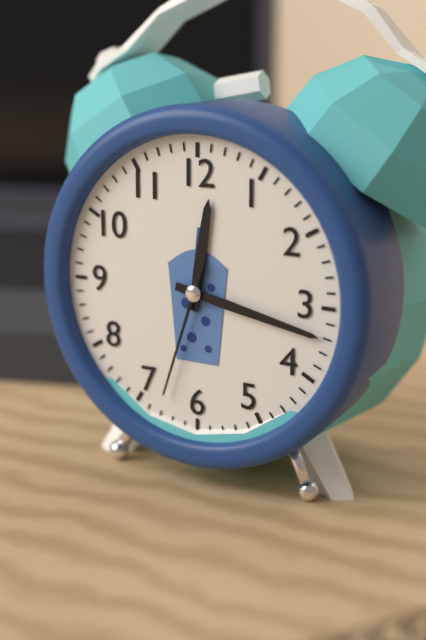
12:17:33
